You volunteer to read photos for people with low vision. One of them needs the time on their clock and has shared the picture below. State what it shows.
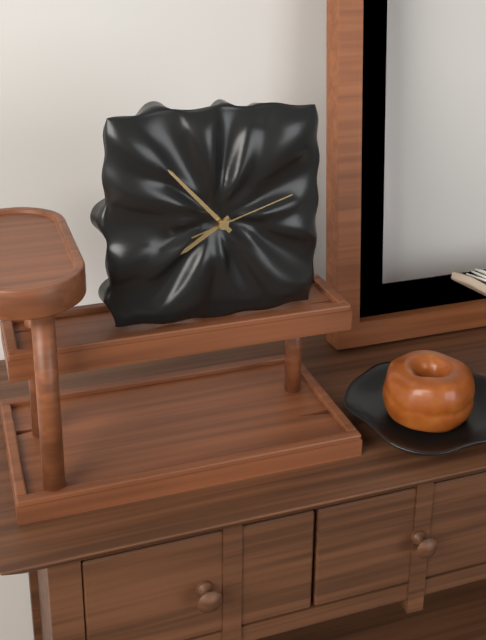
7:53:12
